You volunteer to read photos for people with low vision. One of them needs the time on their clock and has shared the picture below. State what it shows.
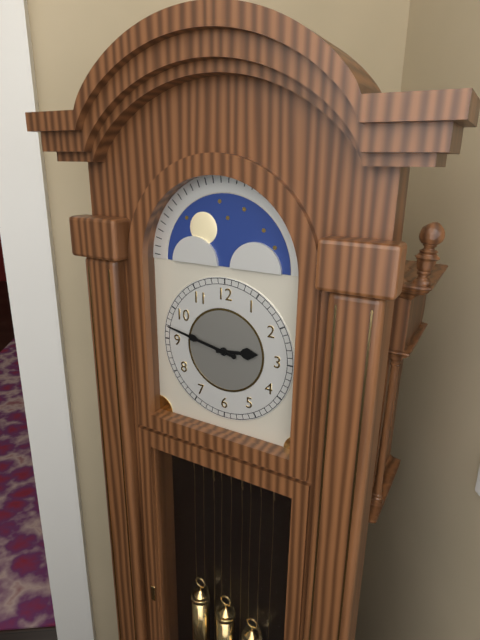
2:47
